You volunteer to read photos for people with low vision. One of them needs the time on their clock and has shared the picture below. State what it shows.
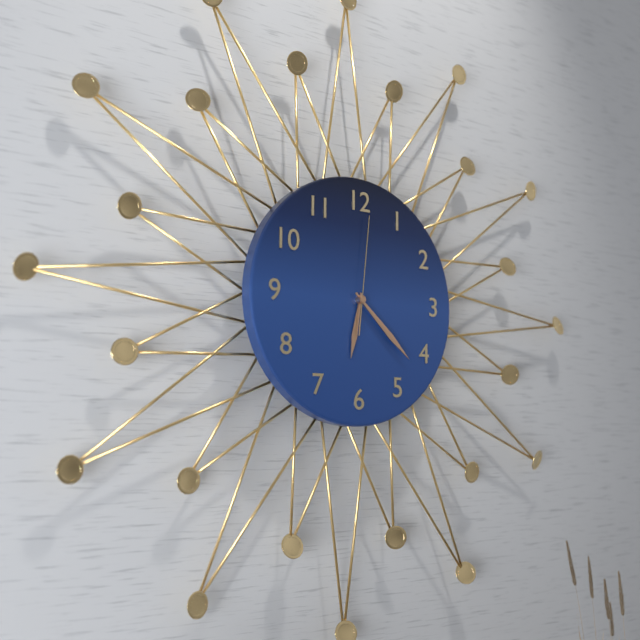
6:22:01
